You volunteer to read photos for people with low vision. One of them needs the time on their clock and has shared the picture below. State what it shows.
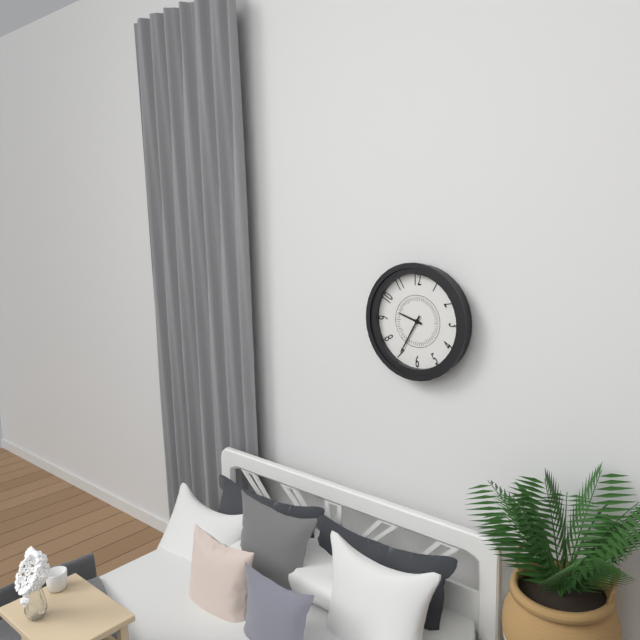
9:35
